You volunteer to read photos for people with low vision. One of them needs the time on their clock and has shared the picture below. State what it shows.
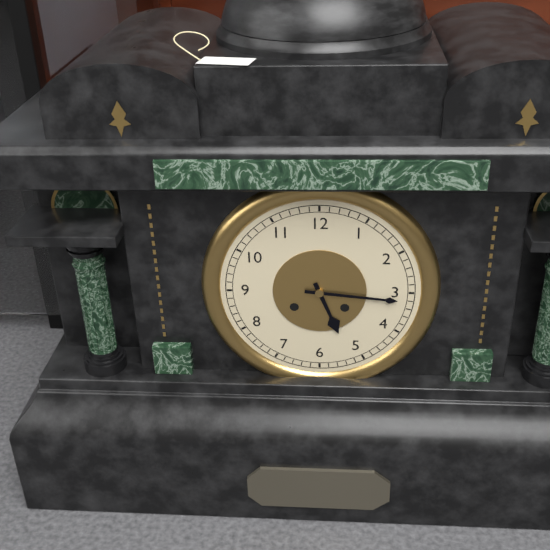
5:16
